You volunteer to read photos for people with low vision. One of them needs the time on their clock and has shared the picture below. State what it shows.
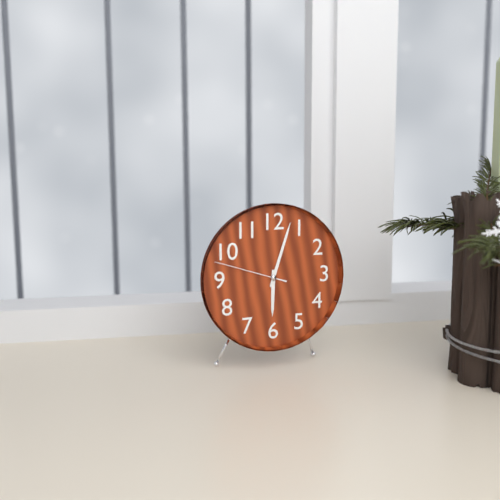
6:03:48
